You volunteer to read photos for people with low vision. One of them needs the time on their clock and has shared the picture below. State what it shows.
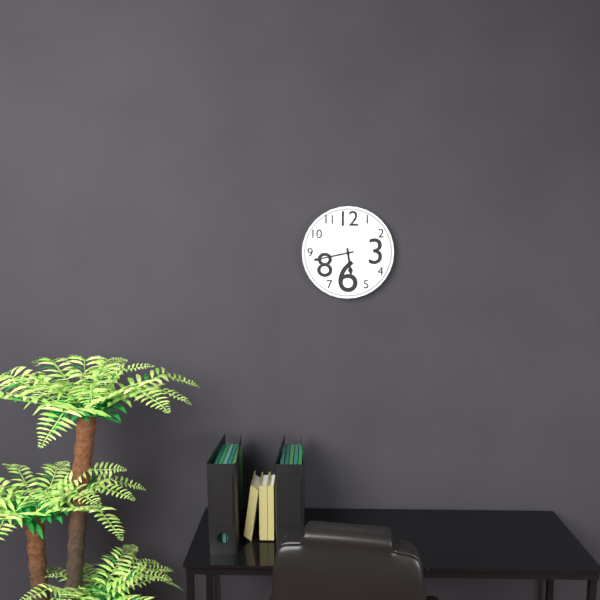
5:43
